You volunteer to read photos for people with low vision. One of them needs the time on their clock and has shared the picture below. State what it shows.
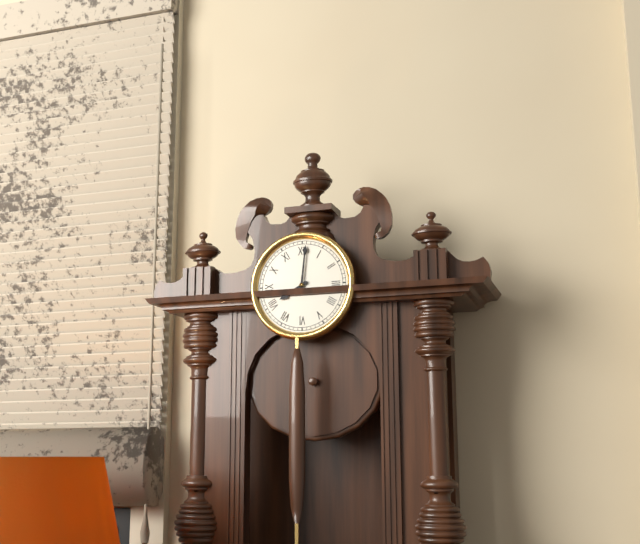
8:01
